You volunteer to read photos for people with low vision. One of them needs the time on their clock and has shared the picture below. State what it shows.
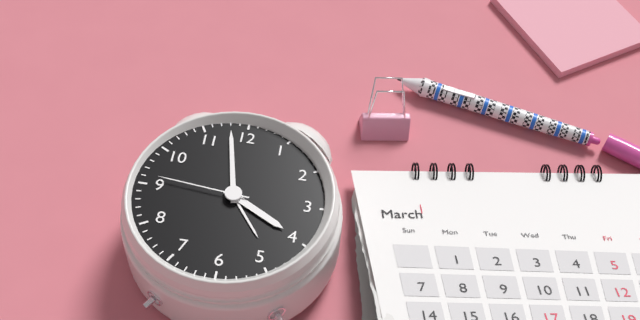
3:58:46
